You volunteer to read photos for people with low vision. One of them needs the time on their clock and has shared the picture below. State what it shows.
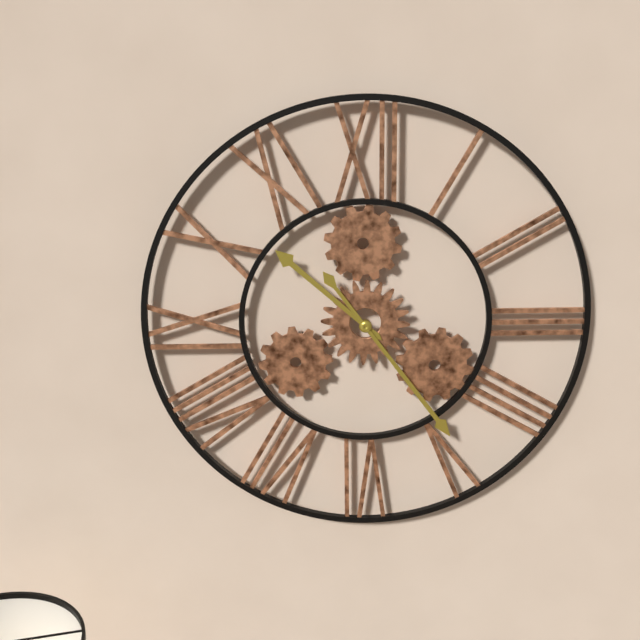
10:24
